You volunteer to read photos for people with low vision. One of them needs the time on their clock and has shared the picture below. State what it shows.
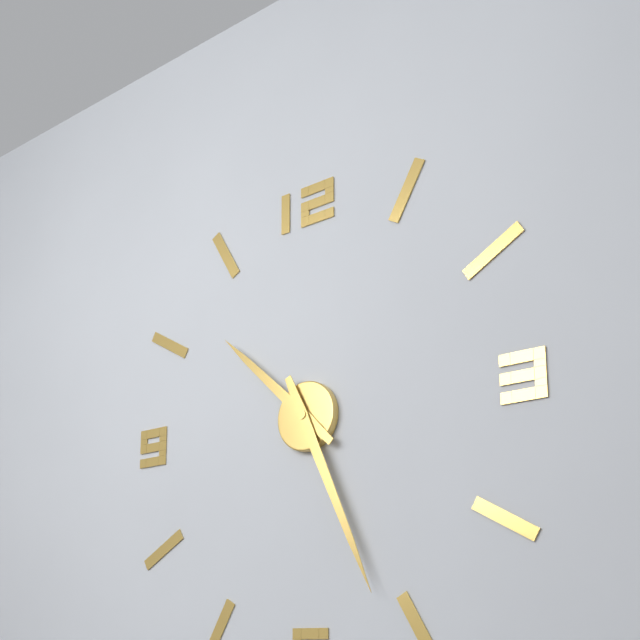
10:26
